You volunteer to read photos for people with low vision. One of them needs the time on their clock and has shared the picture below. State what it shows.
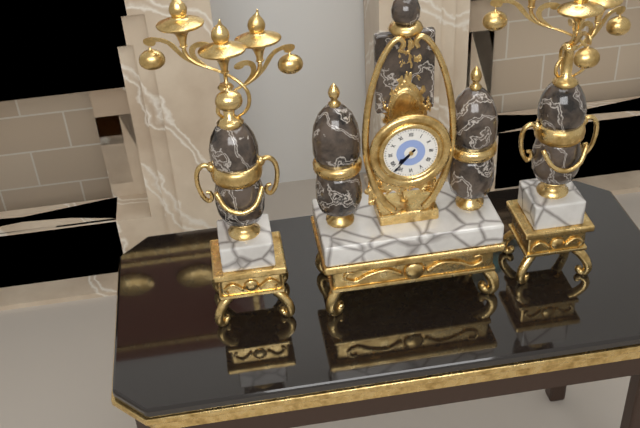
7:37
